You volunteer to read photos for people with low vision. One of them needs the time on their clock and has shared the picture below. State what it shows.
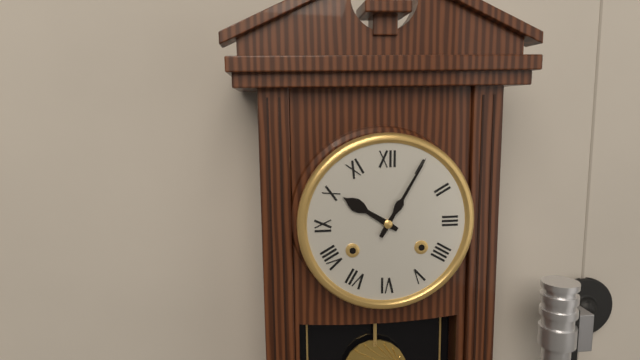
10:05
